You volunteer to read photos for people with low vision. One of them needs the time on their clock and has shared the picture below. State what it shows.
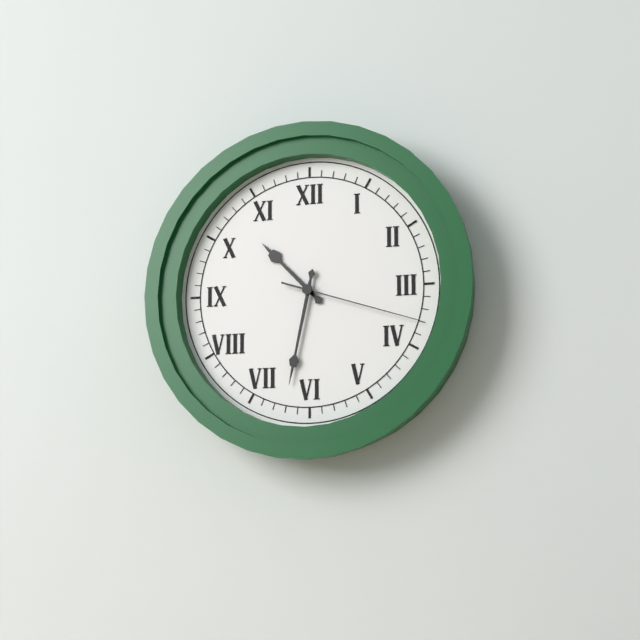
10:32:18
